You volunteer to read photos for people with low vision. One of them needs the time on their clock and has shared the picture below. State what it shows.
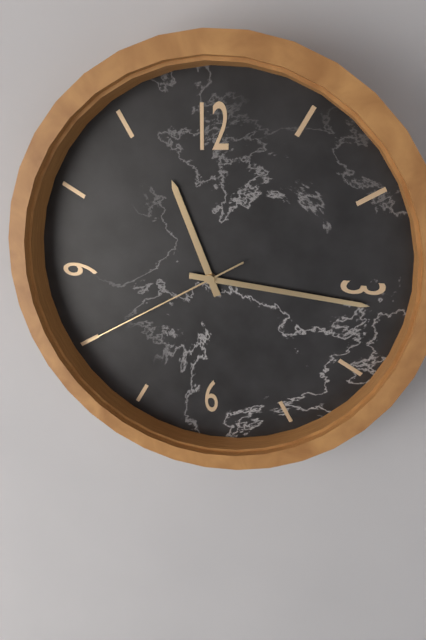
11:16:40
